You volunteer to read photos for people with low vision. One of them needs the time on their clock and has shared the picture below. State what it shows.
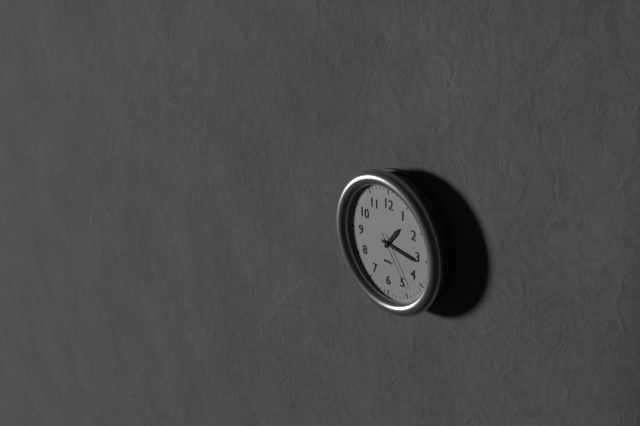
1:16:24
